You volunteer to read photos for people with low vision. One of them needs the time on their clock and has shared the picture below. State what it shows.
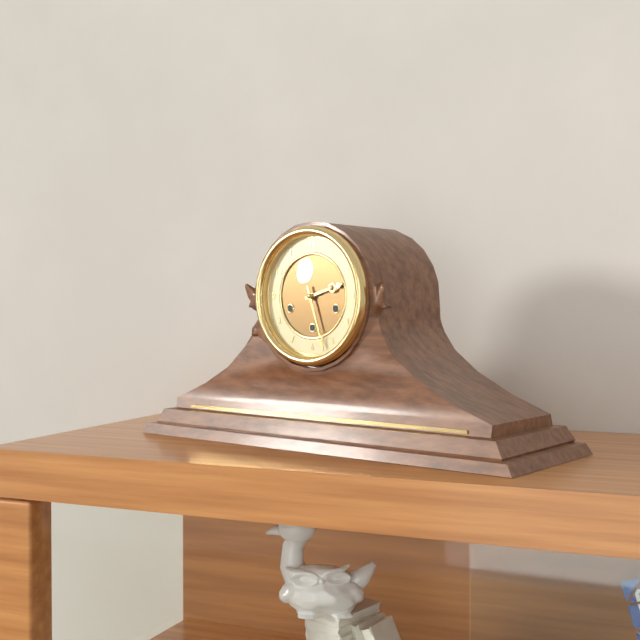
2:27
